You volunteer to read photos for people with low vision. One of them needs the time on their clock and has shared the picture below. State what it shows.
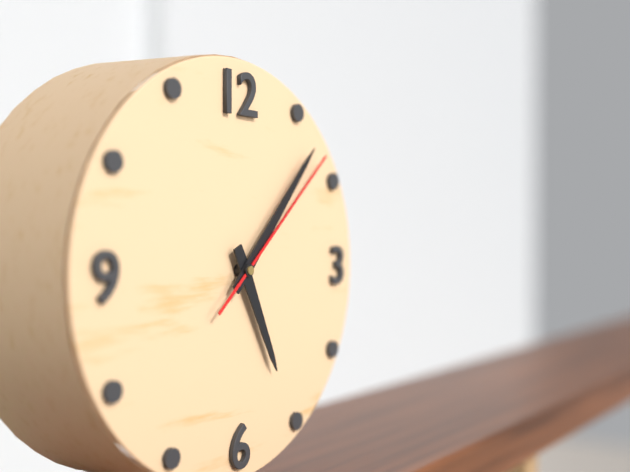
5:07:08
